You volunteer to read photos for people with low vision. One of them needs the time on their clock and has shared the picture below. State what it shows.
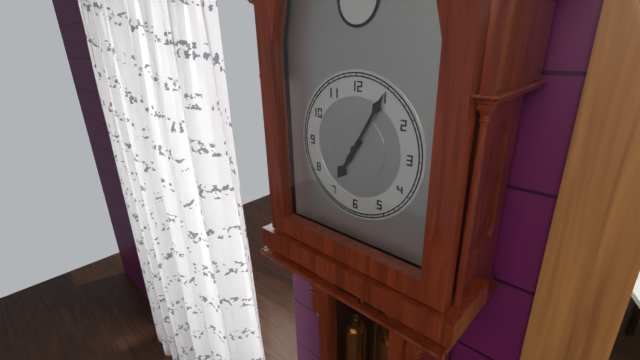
7:05
